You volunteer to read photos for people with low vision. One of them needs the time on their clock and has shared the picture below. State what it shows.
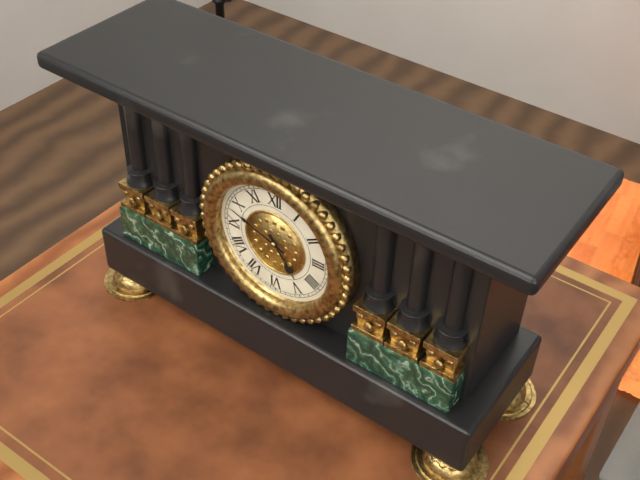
4:48
